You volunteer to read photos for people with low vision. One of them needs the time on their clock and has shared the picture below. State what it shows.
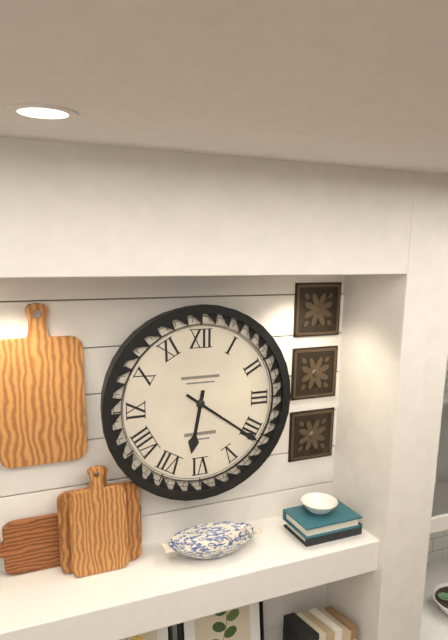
6:21
